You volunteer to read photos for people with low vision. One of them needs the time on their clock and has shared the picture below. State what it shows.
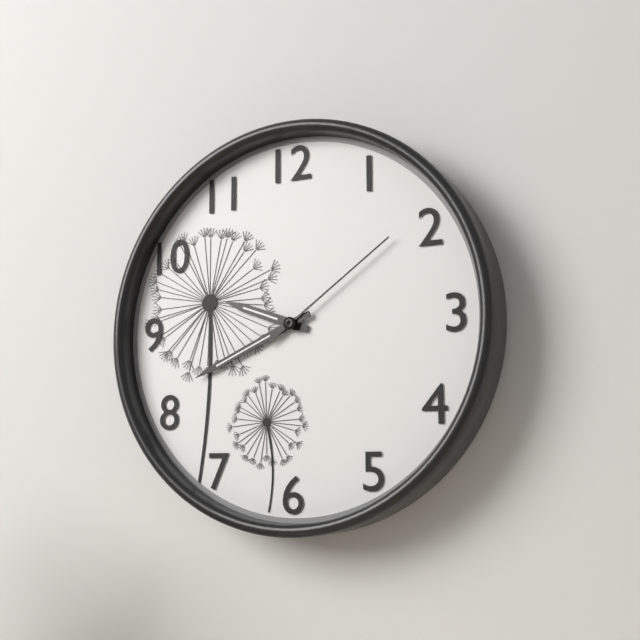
9:41:09
